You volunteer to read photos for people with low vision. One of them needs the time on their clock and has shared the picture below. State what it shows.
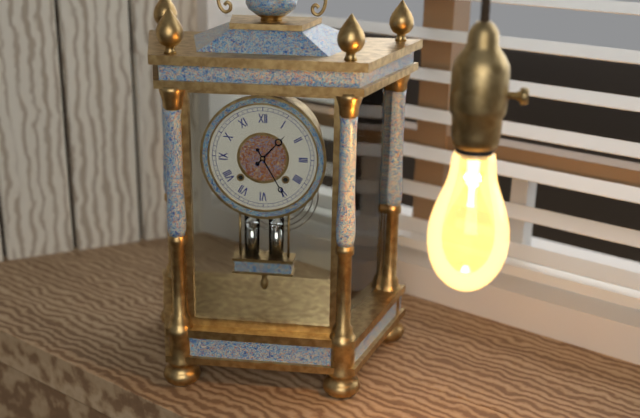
1:25
